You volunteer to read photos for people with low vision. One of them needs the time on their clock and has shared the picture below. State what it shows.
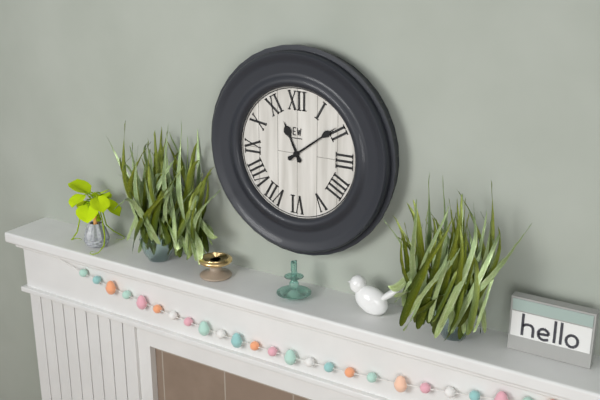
11:09
